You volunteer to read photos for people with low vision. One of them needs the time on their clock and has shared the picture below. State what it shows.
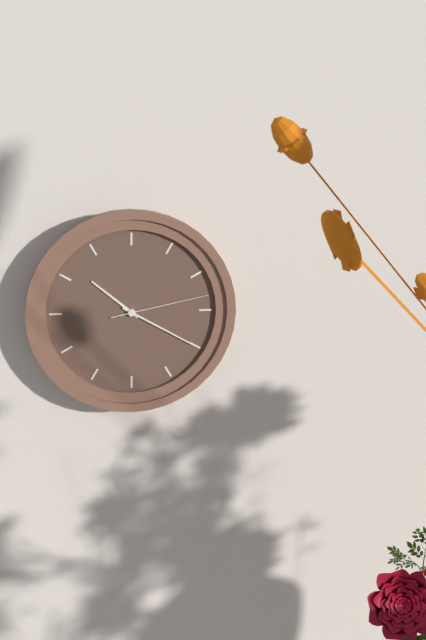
10:20:13
